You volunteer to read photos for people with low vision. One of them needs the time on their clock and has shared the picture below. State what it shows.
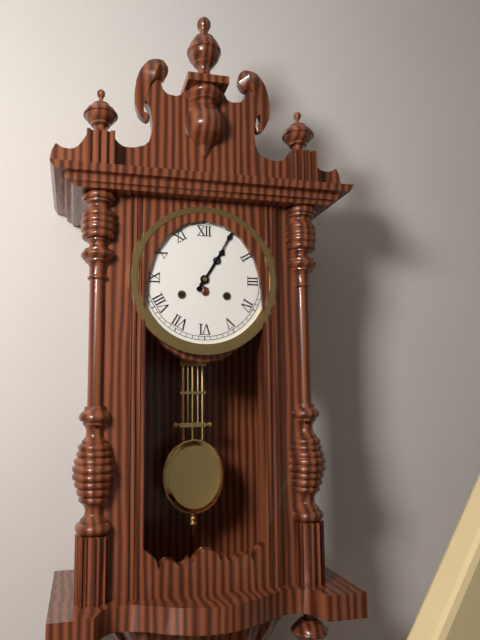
1:05
